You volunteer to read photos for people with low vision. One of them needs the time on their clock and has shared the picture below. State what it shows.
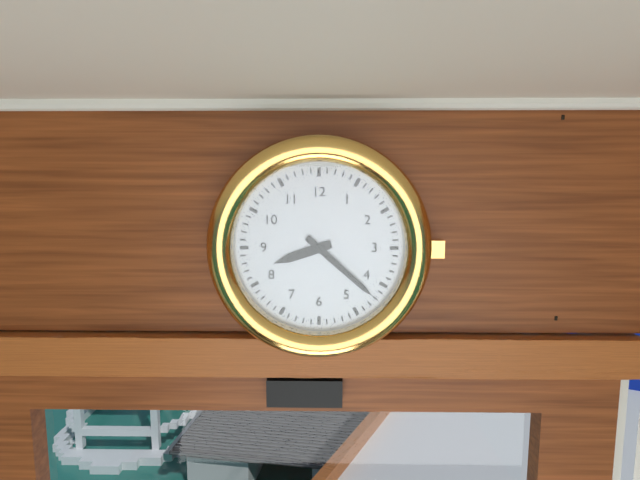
8:22
